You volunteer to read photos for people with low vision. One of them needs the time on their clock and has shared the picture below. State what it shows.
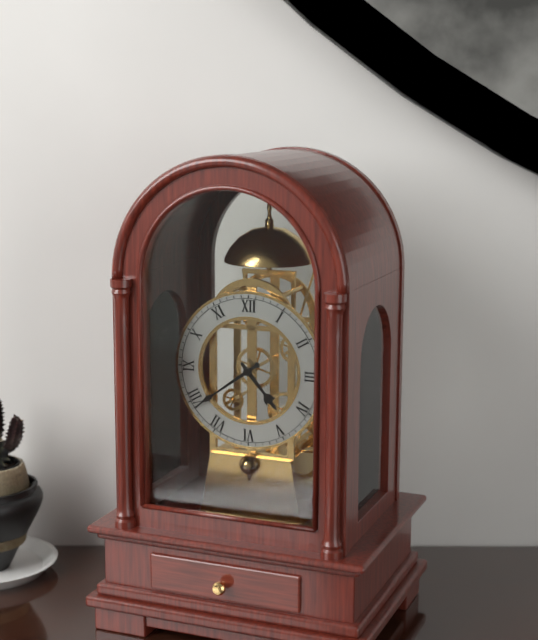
4:39
